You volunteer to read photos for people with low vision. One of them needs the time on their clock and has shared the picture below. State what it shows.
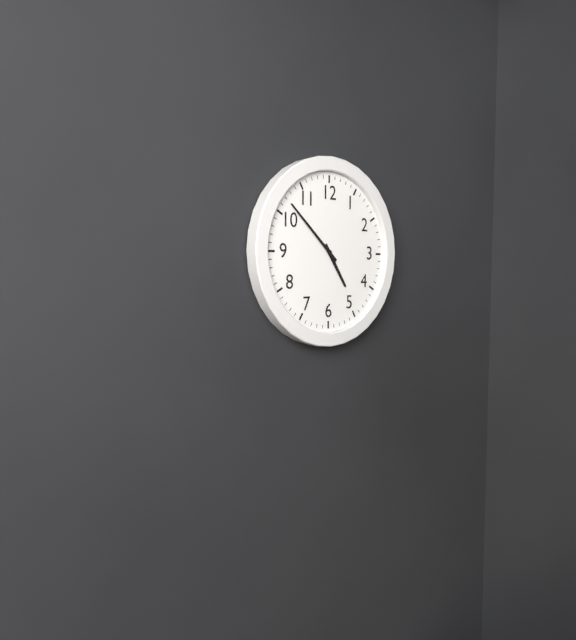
4:52
